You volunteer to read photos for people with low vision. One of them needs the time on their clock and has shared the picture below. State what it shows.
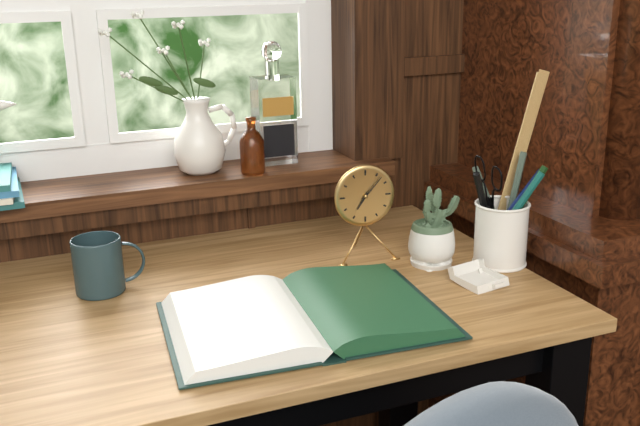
7:07
